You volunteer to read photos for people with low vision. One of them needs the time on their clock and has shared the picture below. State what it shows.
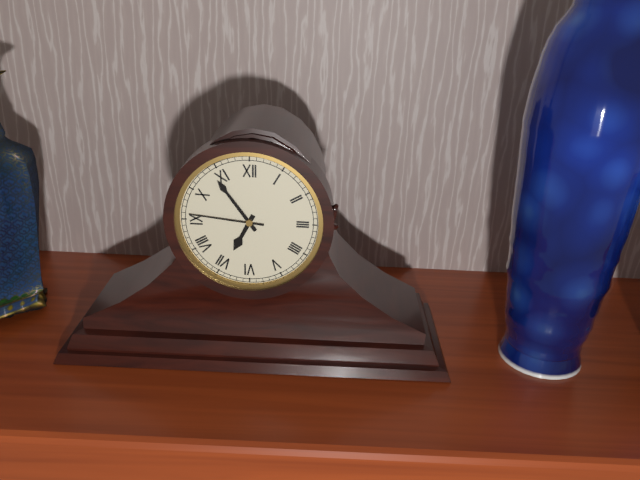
6:54:46
